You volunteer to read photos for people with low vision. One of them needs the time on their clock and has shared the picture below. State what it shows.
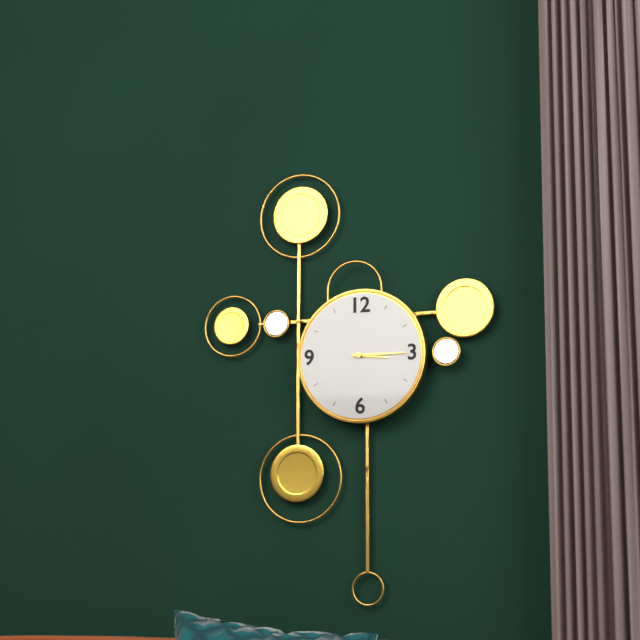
3:15
